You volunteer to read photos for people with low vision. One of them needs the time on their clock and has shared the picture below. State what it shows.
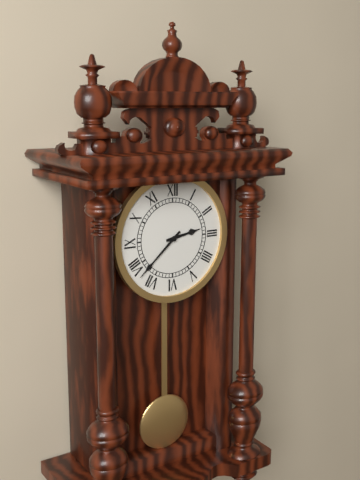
2:38
